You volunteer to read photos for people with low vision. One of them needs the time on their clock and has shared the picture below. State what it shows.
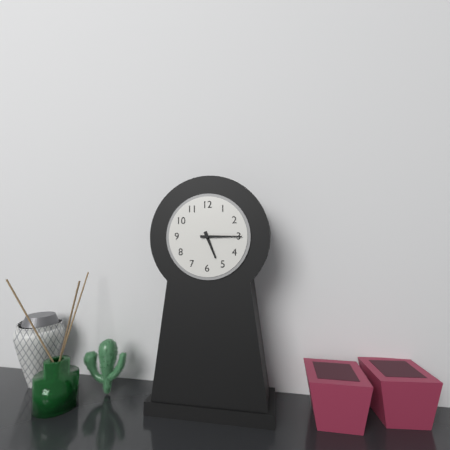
5:15
